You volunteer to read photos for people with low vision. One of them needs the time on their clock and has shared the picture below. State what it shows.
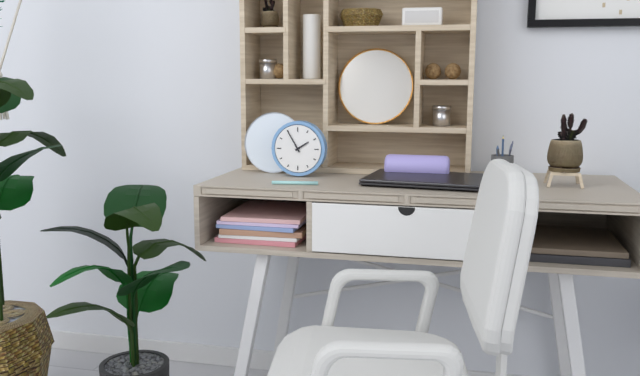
1:55
